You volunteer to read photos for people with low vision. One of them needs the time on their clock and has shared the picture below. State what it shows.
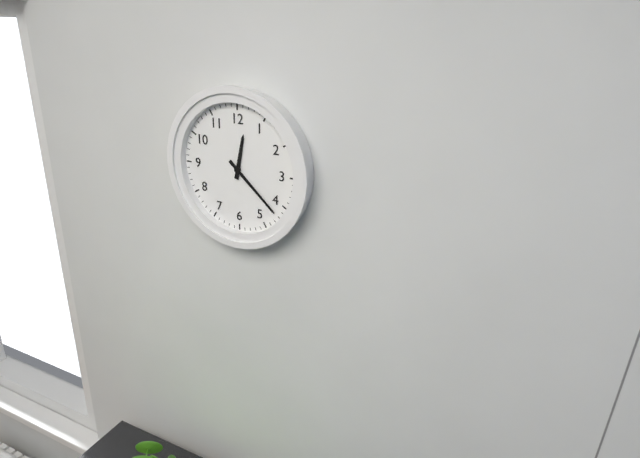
12:22
